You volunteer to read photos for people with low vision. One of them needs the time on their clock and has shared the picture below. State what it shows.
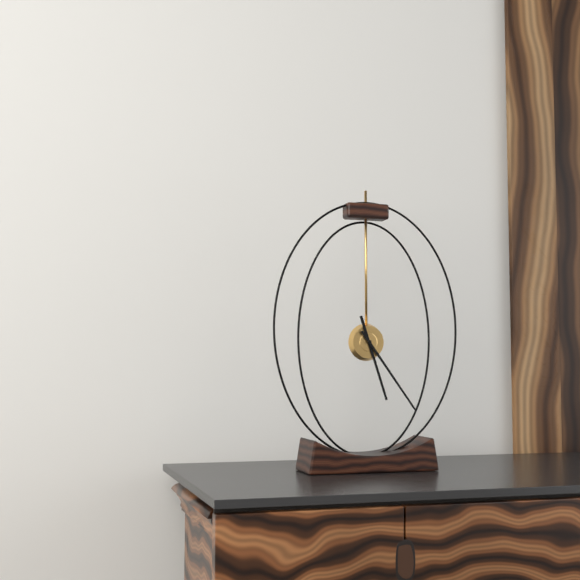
5:24
